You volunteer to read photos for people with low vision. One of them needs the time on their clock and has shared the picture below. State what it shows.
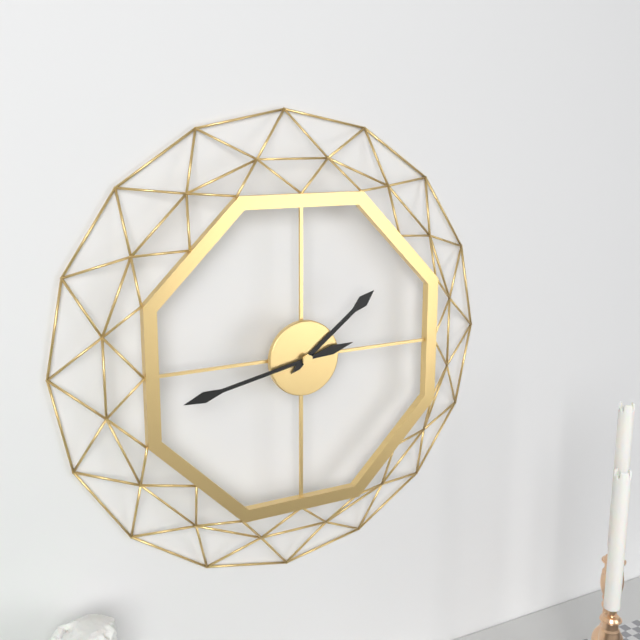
1:43
